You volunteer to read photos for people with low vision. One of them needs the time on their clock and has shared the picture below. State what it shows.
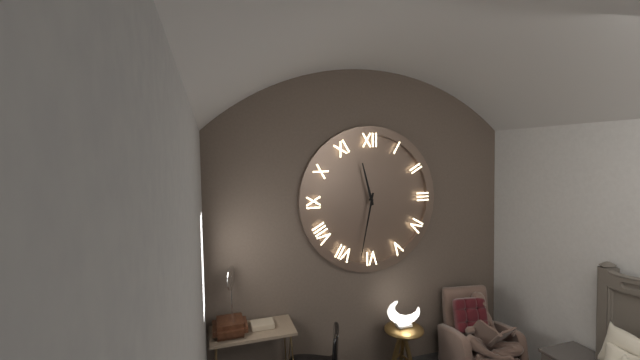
11:32
